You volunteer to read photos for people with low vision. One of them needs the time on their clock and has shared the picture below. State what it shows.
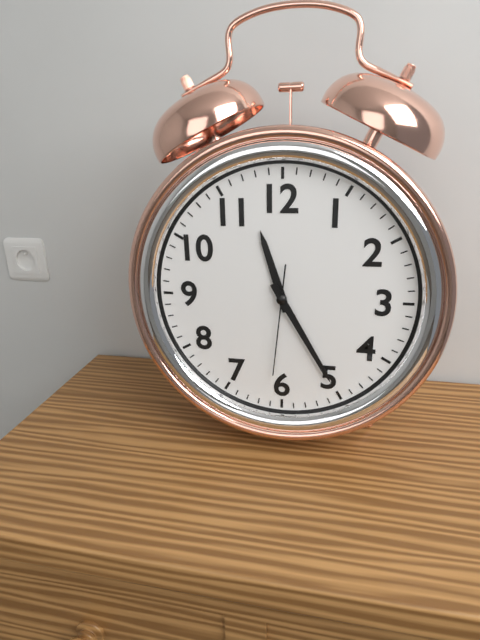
11:25:31
